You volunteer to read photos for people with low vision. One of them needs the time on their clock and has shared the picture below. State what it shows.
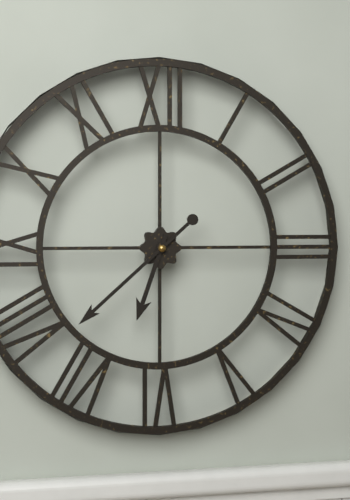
6:38
